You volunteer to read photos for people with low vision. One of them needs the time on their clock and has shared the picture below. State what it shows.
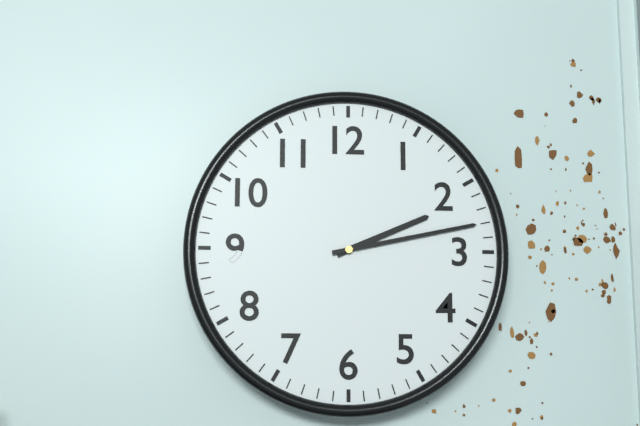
2:13
